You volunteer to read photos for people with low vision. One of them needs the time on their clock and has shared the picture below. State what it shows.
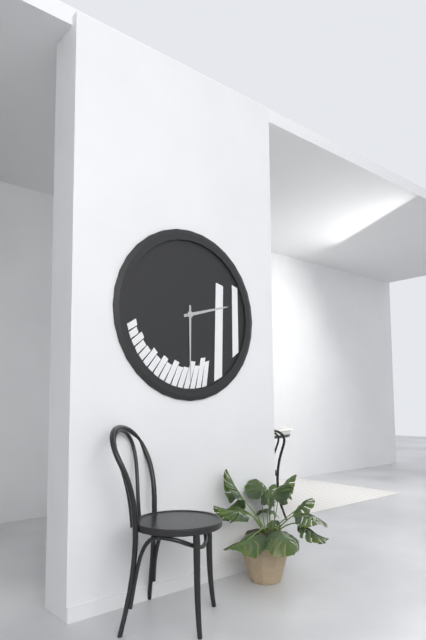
2:30
